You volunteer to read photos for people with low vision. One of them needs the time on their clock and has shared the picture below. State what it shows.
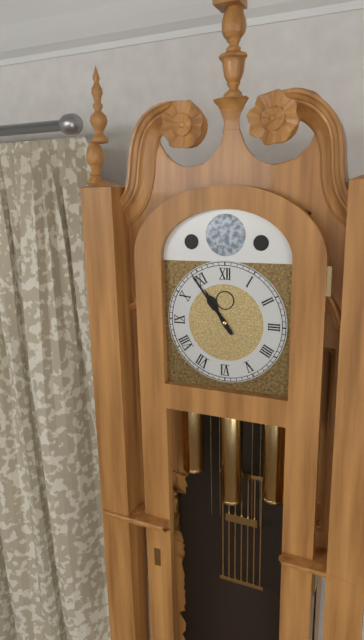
10:54
